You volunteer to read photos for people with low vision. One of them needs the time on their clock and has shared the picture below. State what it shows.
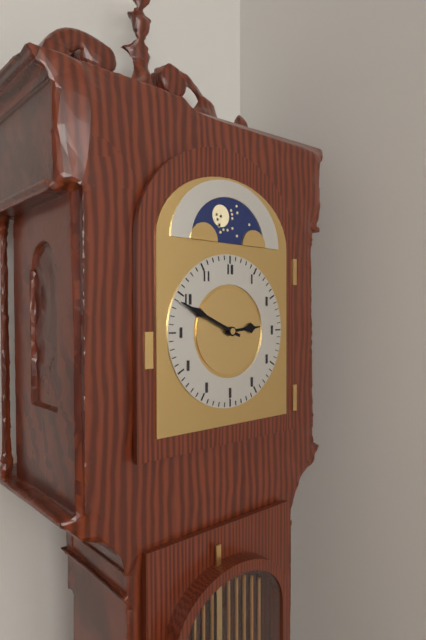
2:49
